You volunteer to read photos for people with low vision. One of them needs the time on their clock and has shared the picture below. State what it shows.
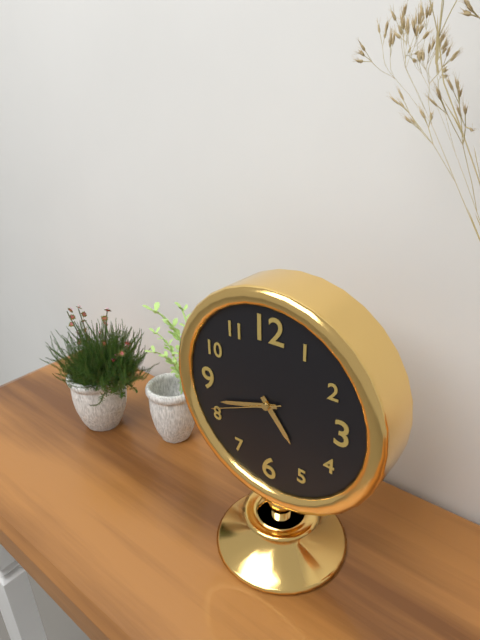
4:42:41
